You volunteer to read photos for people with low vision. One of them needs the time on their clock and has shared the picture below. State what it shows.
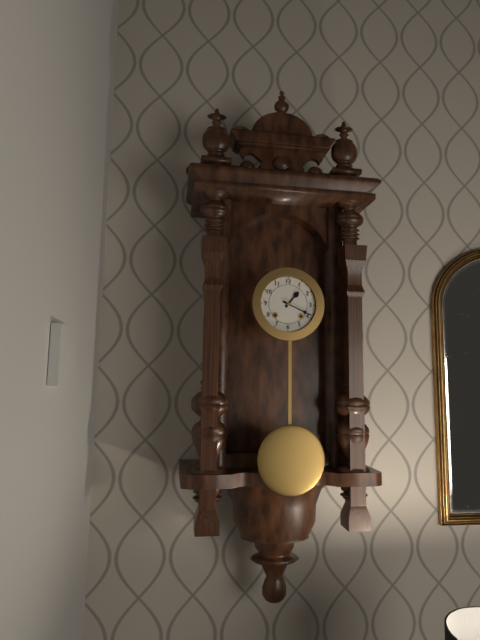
1:19
